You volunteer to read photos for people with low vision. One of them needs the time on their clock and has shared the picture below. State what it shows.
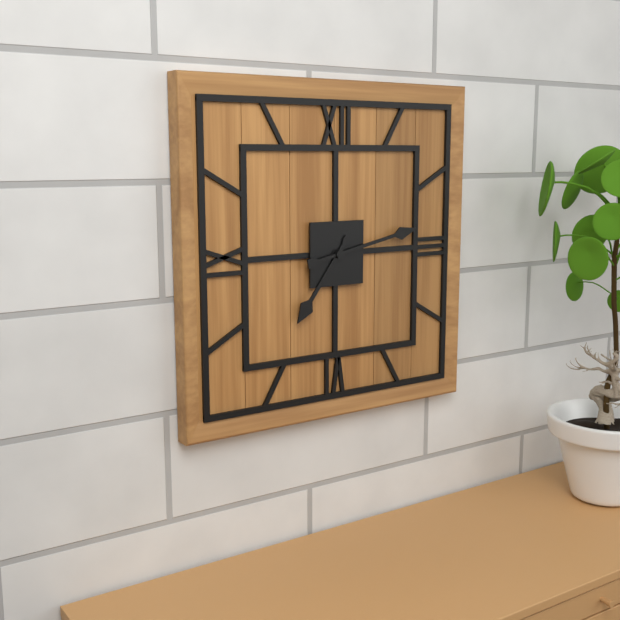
7:13
